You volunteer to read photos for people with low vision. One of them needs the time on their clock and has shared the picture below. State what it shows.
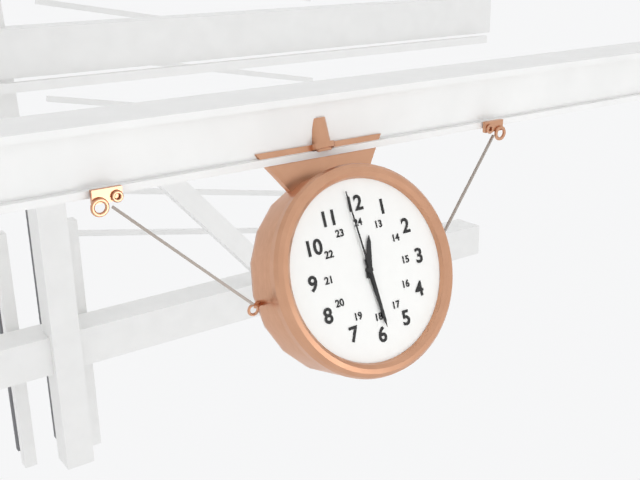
12:29:59
